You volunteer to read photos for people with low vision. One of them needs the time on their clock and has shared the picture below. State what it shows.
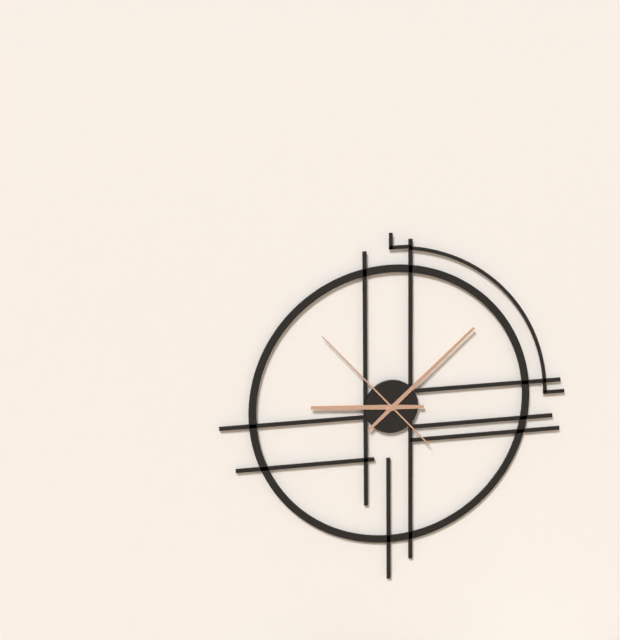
9:08:53
